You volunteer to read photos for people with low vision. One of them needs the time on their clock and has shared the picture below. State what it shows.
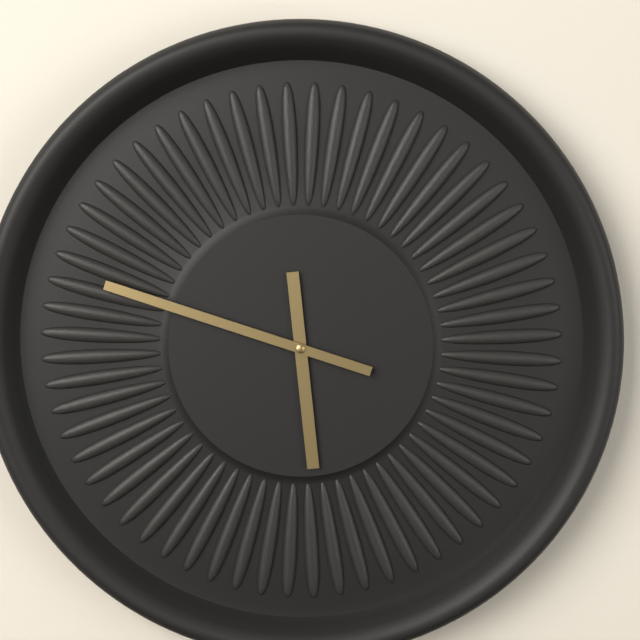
5:48
